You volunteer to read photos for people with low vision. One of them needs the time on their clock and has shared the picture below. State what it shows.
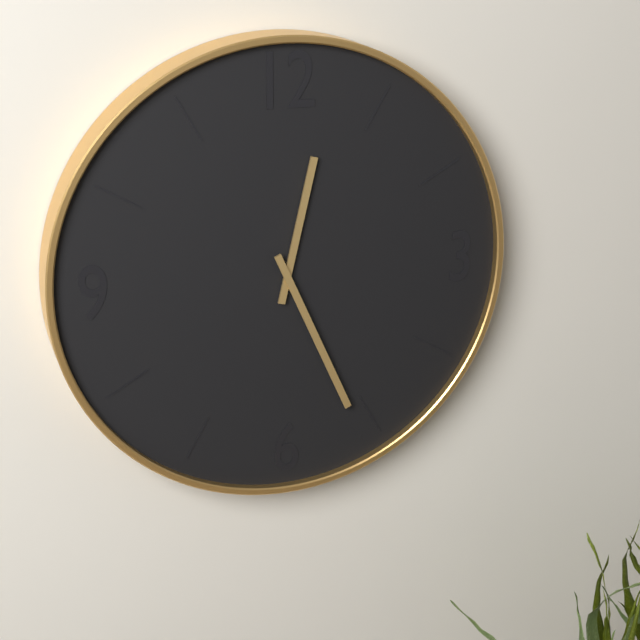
12:26
